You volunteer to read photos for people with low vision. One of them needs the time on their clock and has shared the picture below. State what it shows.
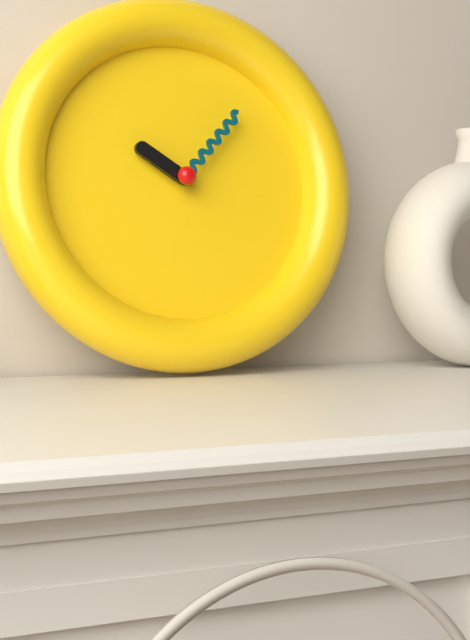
10:07
